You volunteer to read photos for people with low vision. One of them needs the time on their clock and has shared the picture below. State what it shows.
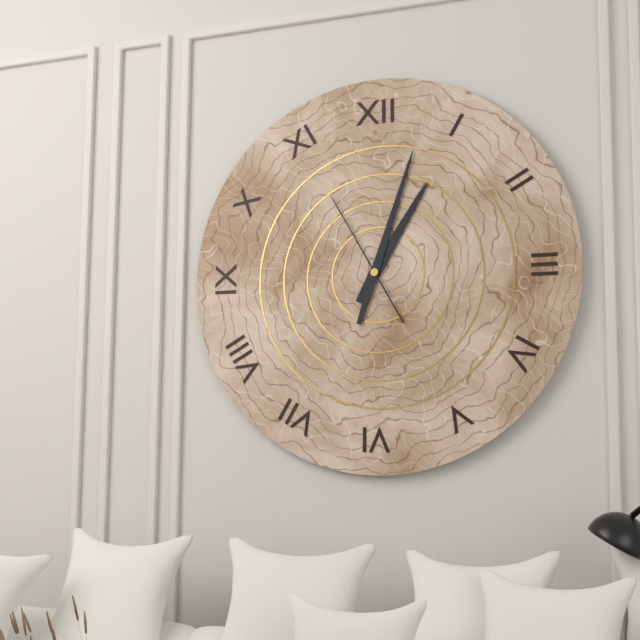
1:03:55
